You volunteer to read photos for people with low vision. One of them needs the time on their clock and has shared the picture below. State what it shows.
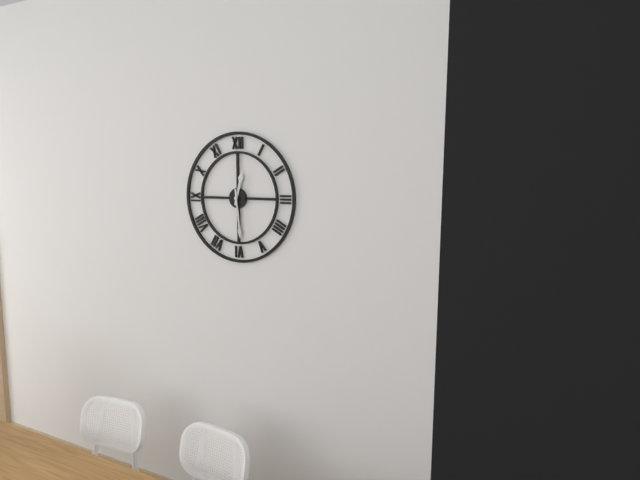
12:29
